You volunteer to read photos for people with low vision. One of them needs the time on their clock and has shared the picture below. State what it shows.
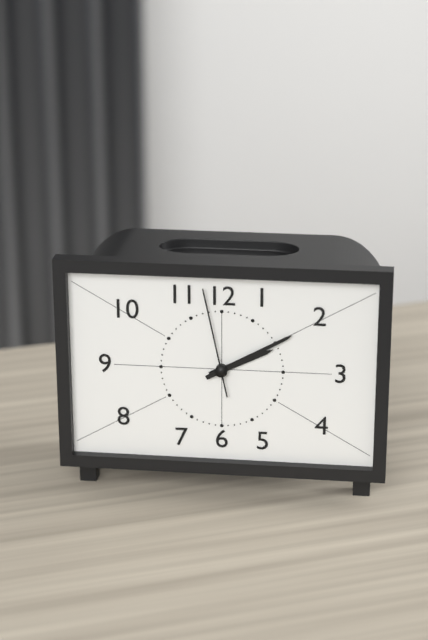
2:10:58
